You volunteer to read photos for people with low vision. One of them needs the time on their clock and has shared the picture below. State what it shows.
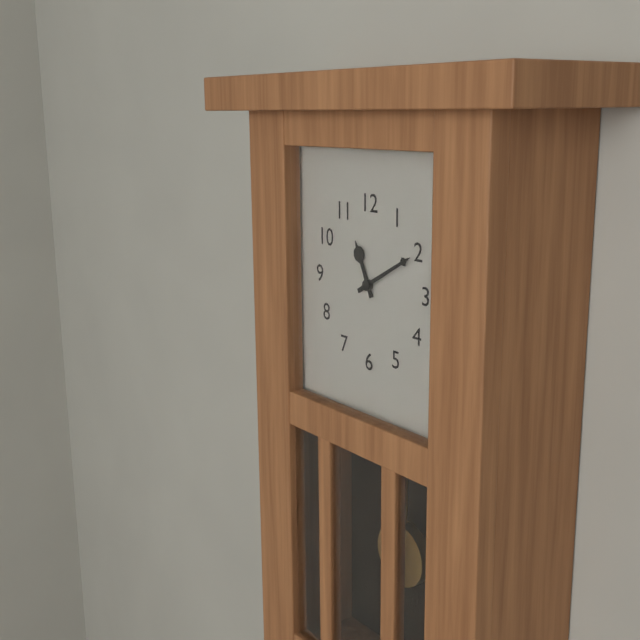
11:10
